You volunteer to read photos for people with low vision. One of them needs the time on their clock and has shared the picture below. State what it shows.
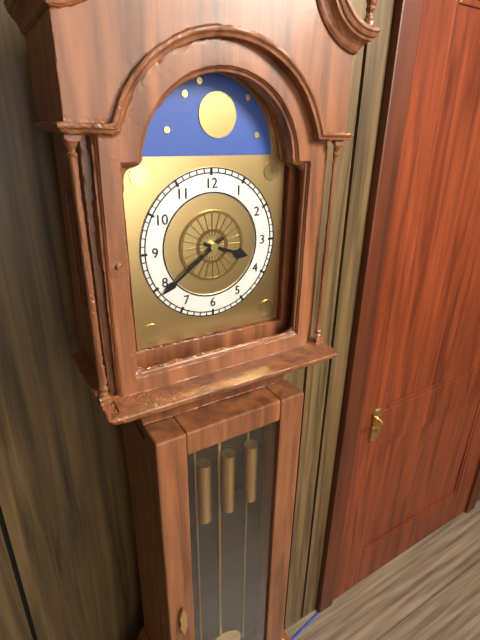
3:39
